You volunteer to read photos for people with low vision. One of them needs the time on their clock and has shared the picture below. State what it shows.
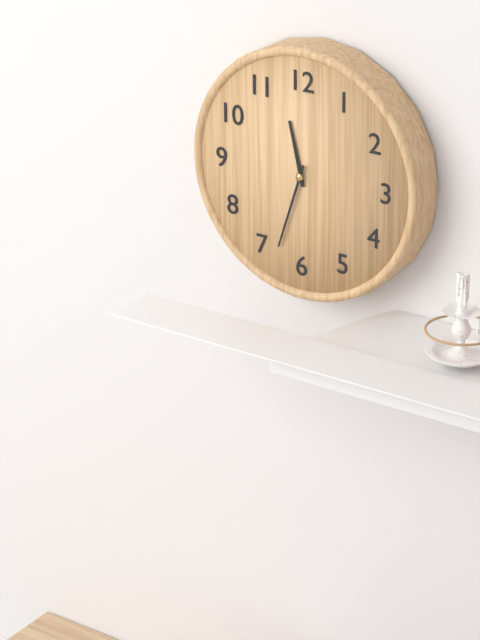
11:33
